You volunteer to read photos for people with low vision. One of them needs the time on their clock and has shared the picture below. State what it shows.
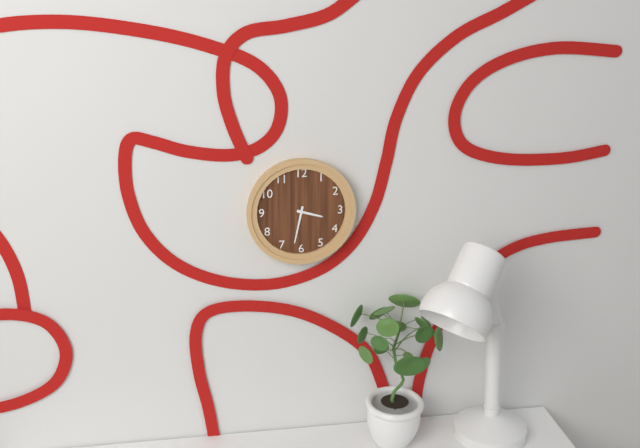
3:32
